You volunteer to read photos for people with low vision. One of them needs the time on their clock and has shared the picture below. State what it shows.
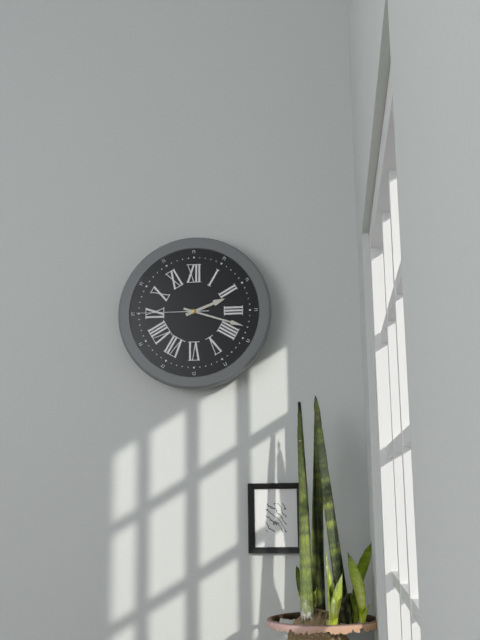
2:18:45
